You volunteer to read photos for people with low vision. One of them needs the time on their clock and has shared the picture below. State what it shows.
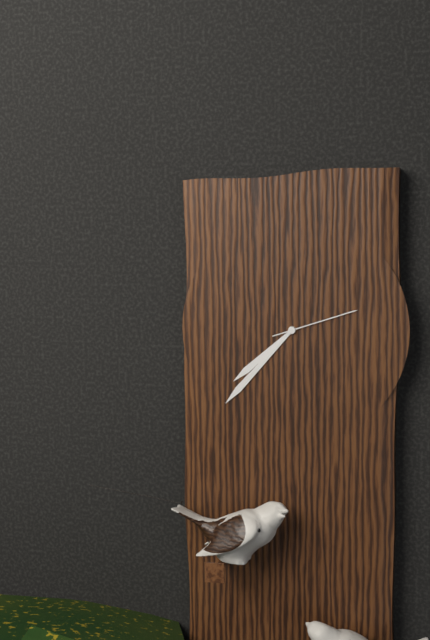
7:37:12
